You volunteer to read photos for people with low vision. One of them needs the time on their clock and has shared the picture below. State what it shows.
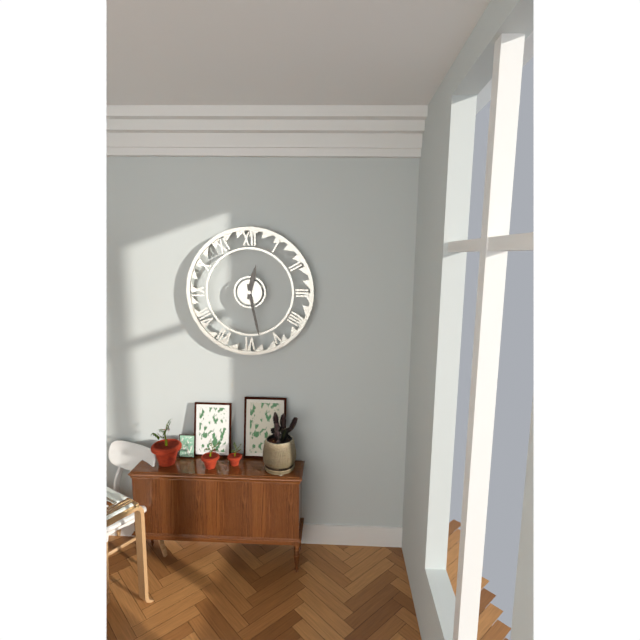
12:28
